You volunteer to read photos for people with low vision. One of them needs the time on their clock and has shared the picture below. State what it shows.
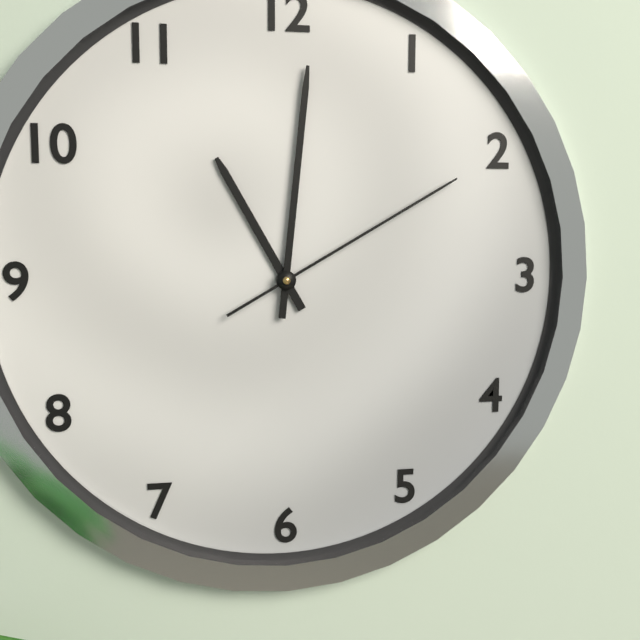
11:01:10
